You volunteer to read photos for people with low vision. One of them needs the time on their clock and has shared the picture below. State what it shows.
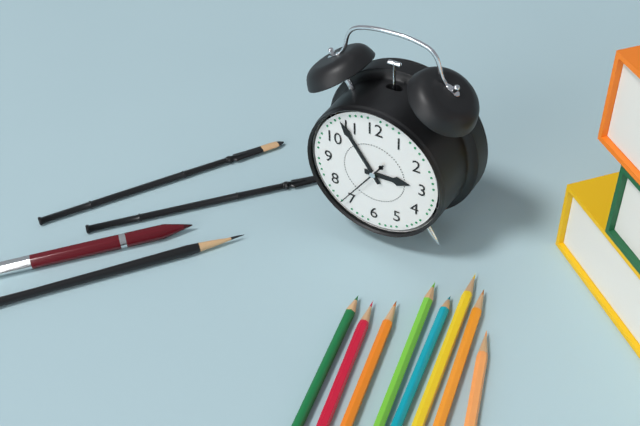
2:54:36
